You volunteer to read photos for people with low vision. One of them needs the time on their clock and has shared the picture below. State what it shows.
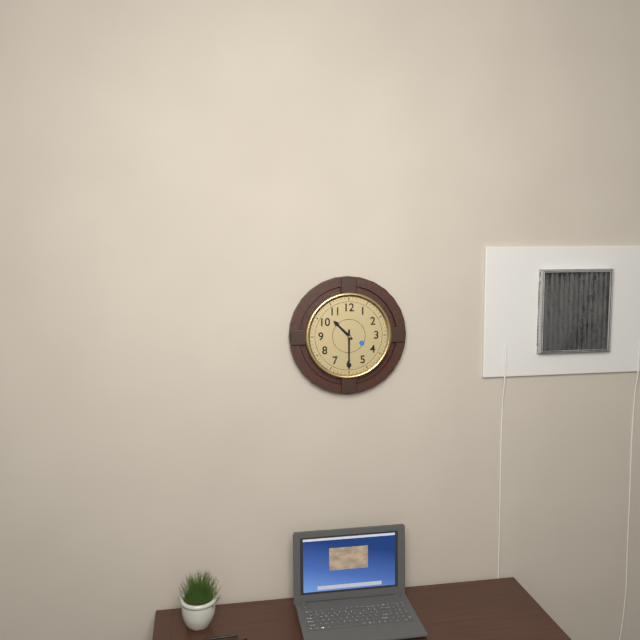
10:30
